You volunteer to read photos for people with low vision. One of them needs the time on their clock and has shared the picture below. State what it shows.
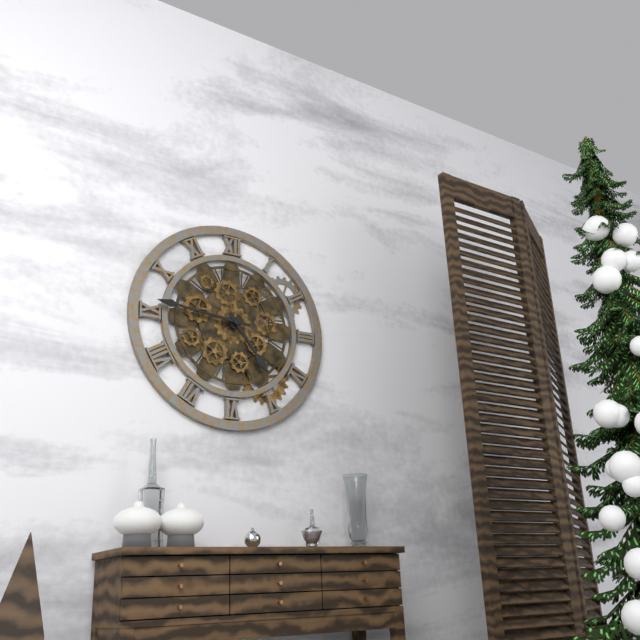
4:46
